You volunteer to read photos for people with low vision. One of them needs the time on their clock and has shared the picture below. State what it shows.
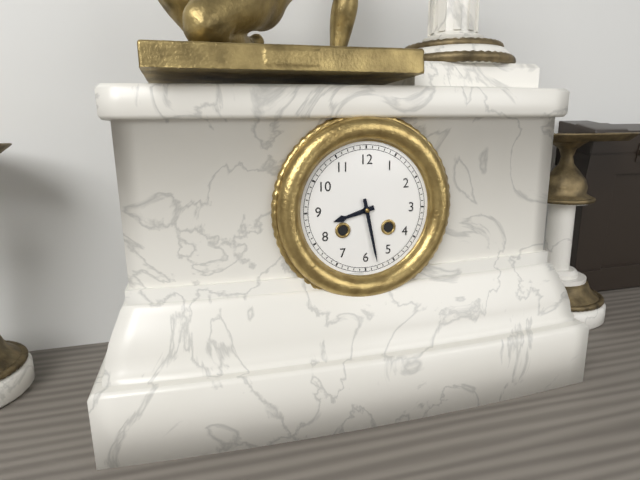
8:28
